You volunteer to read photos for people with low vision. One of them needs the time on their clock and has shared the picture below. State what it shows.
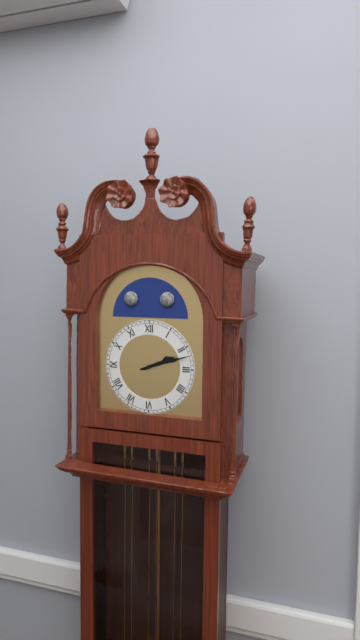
2:12
